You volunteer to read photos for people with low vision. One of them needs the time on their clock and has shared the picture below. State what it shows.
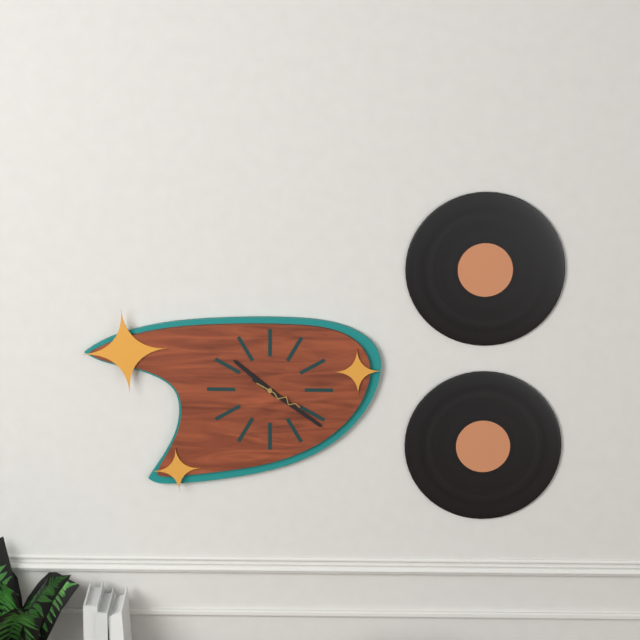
10:21
